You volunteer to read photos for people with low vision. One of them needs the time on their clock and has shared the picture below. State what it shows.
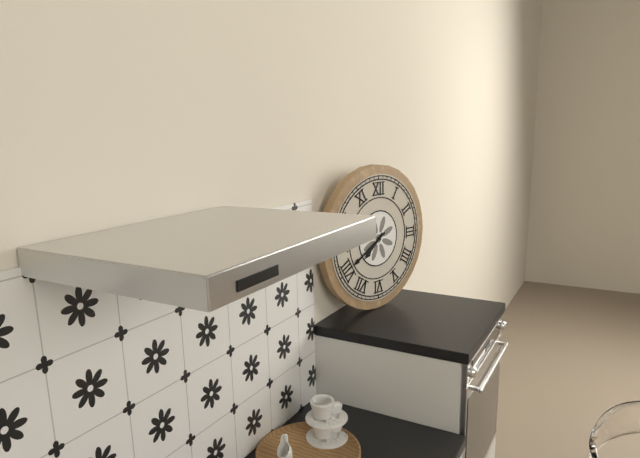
7:40
